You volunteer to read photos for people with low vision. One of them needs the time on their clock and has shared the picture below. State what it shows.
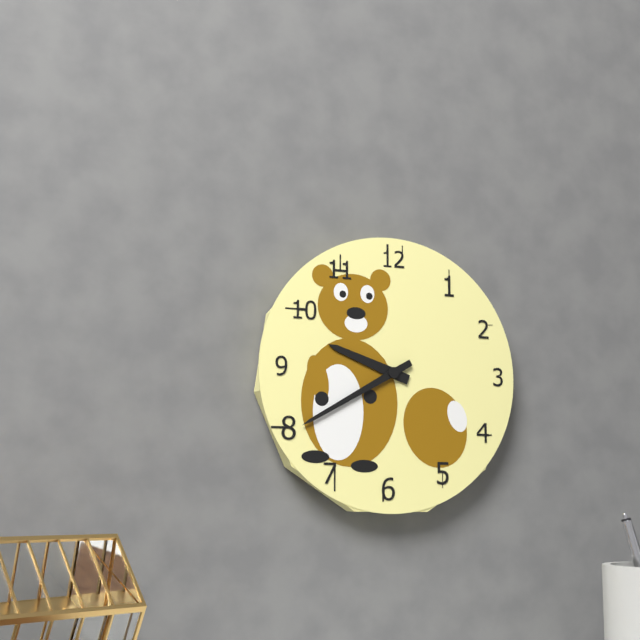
9:40
